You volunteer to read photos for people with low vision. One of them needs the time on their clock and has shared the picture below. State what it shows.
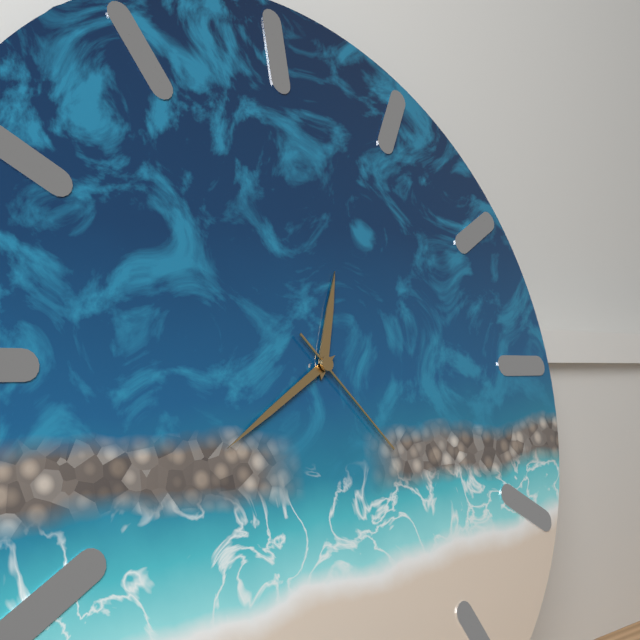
12:40:23
